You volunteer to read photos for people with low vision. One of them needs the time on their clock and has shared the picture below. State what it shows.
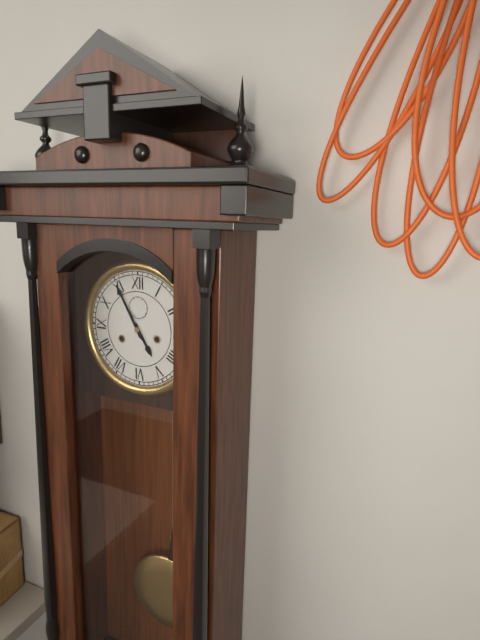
4:55
